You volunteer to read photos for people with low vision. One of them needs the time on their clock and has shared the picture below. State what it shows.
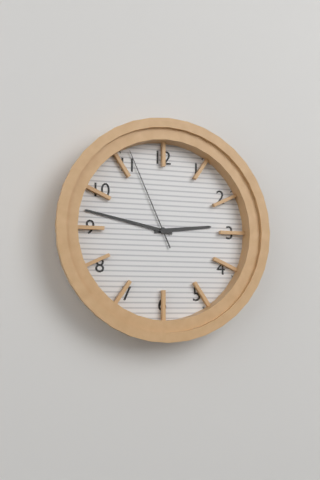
2:47:56
